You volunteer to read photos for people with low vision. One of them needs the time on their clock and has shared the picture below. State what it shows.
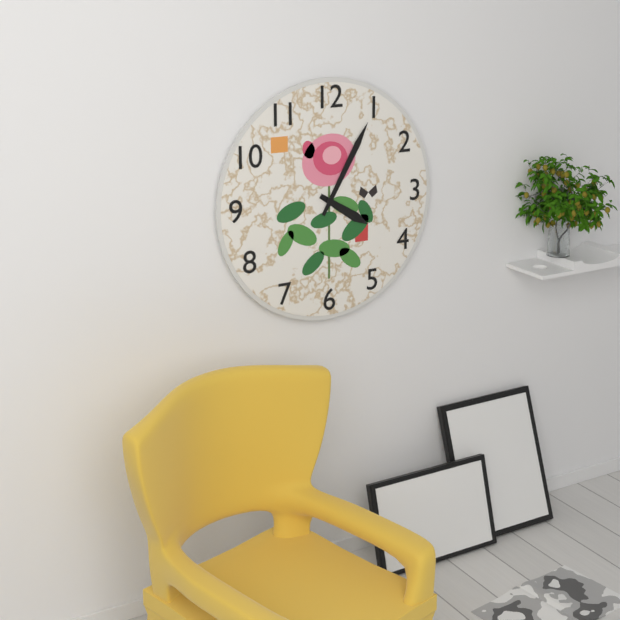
4:05
